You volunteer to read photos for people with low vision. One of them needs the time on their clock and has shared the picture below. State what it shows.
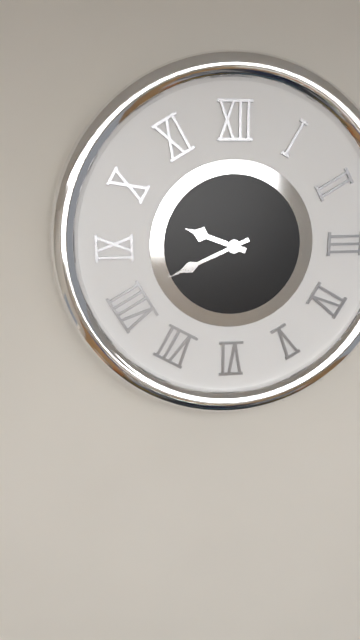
9:41
